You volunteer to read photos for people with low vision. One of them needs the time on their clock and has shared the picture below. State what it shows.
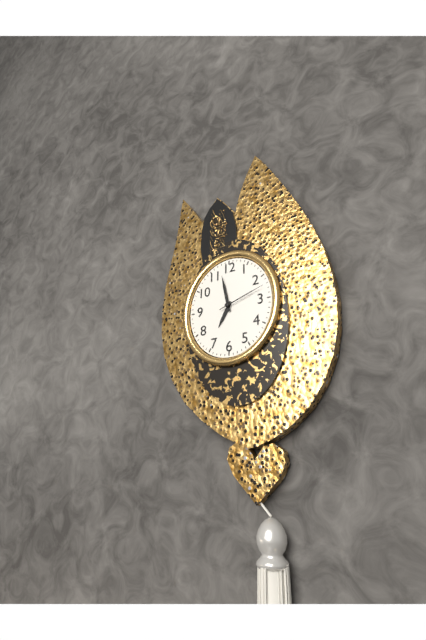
6:58:12
